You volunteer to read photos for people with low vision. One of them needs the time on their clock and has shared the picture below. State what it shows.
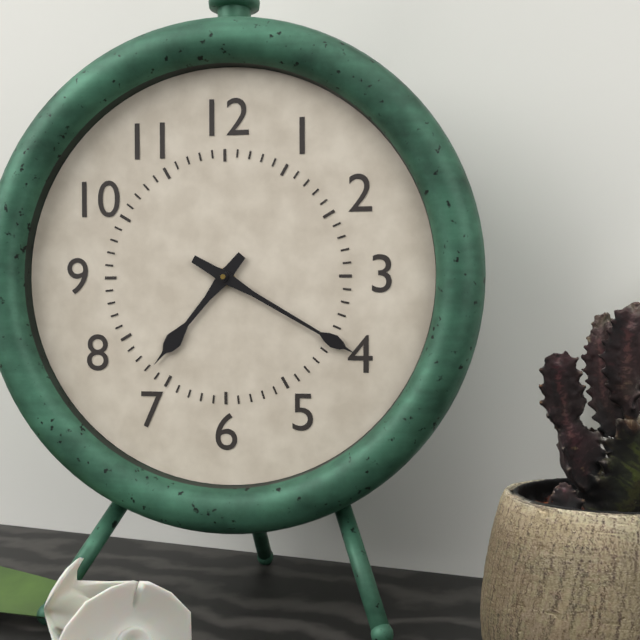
7:20
